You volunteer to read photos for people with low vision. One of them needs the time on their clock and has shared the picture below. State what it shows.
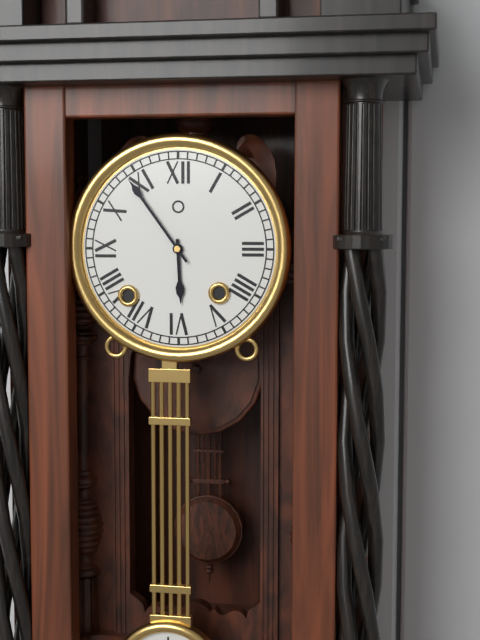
5:54
